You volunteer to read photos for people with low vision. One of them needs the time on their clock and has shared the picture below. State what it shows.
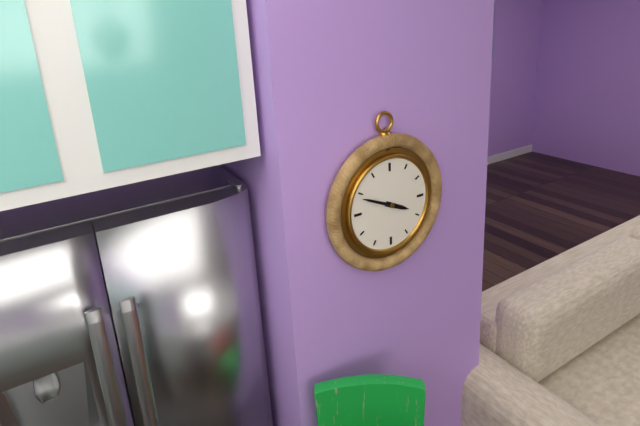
3:49
